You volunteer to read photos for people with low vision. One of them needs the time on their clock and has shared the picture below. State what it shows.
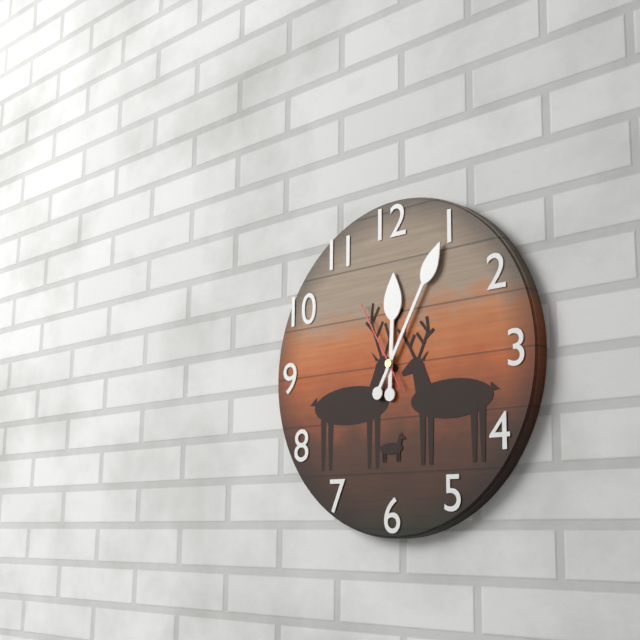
12:05:55
